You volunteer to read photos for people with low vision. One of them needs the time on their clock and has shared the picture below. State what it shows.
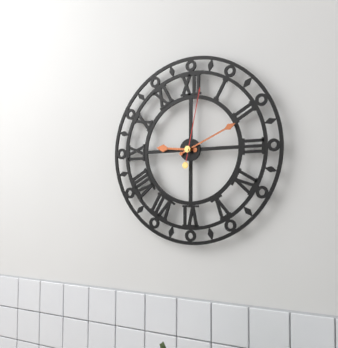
9:11:02
